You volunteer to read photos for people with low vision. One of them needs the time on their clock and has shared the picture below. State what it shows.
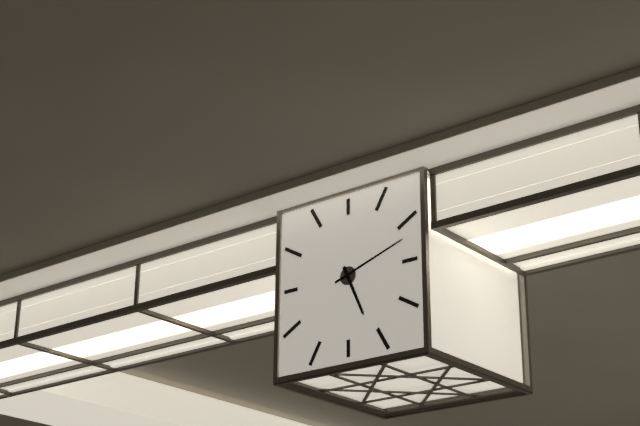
5:12
